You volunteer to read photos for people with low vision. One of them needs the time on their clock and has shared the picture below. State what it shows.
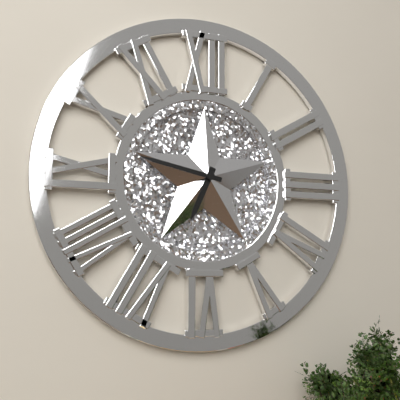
6:47
